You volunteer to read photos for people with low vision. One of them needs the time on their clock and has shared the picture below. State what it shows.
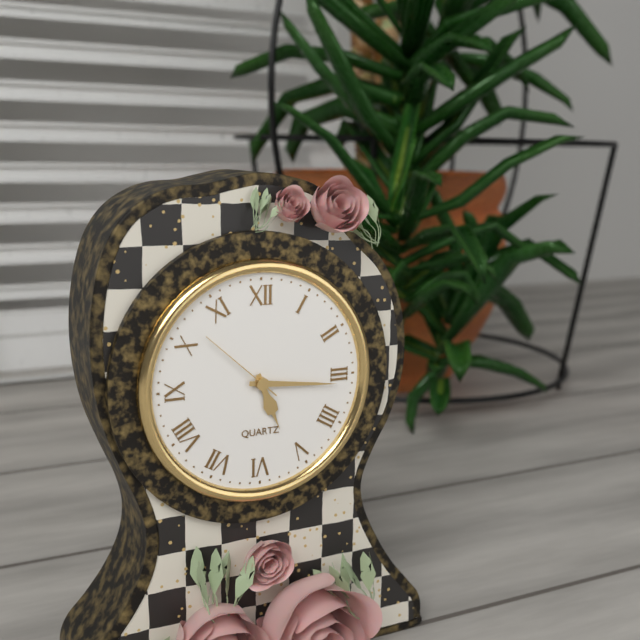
5:16:52
